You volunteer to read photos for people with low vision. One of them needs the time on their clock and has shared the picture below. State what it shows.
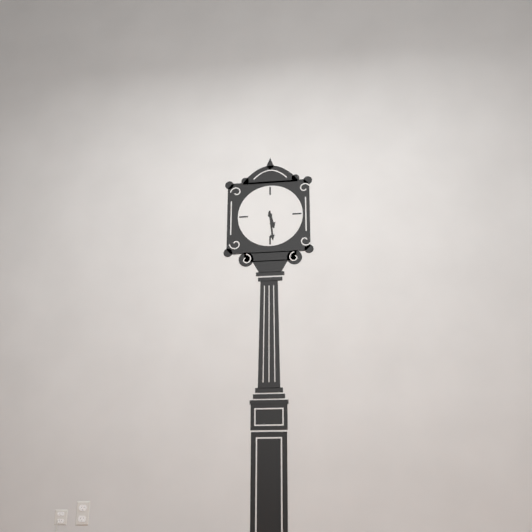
5:29
